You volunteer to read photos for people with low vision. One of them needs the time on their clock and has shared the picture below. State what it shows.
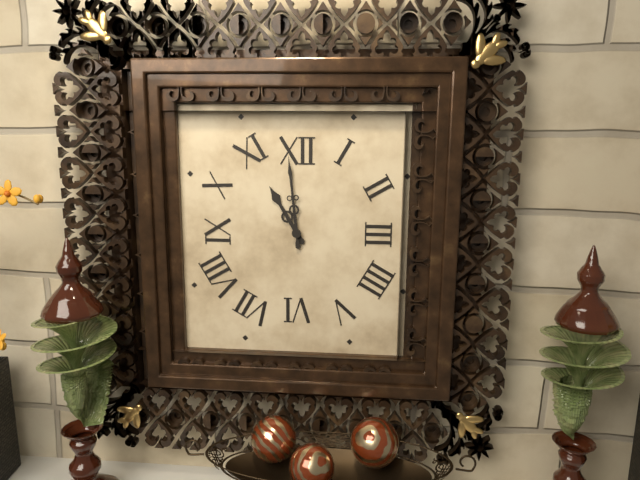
10:59
